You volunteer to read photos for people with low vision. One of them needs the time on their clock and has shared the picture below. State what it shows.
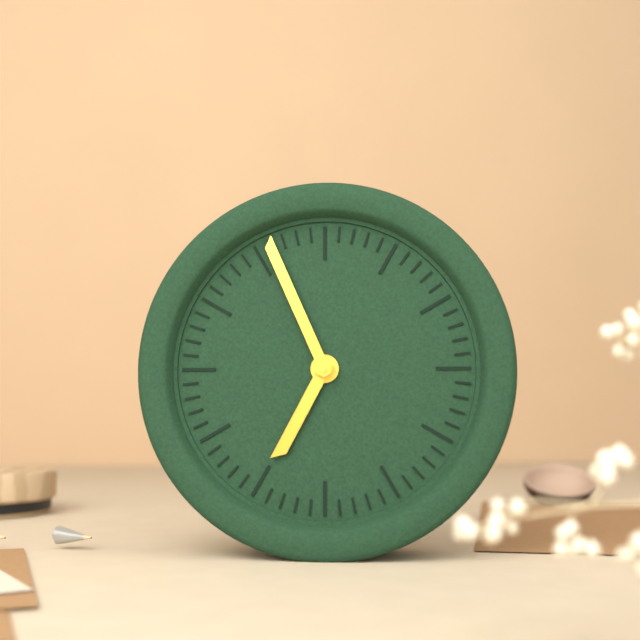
6:56
